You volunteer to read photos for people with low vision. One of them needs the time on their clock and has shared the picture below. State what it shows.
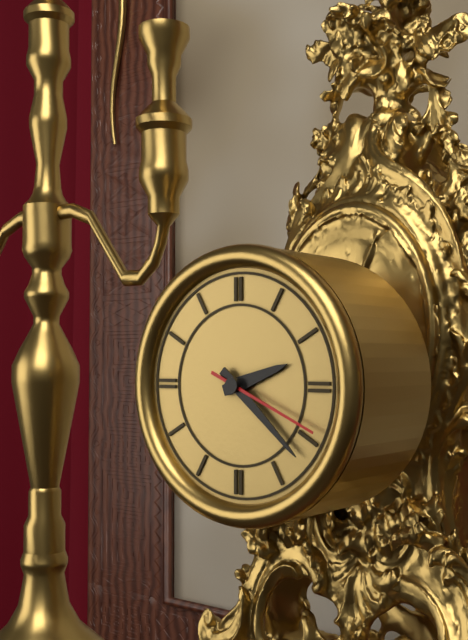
2:22:19
